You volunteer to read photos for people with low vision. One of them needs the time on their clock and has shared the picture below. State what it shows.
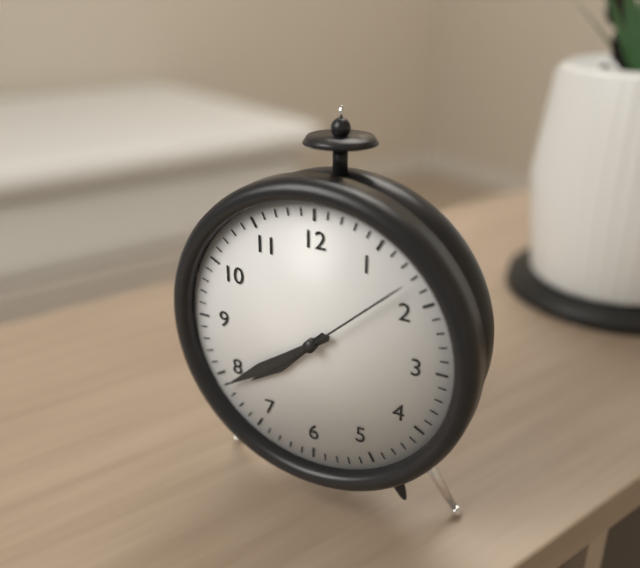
7:39:08
